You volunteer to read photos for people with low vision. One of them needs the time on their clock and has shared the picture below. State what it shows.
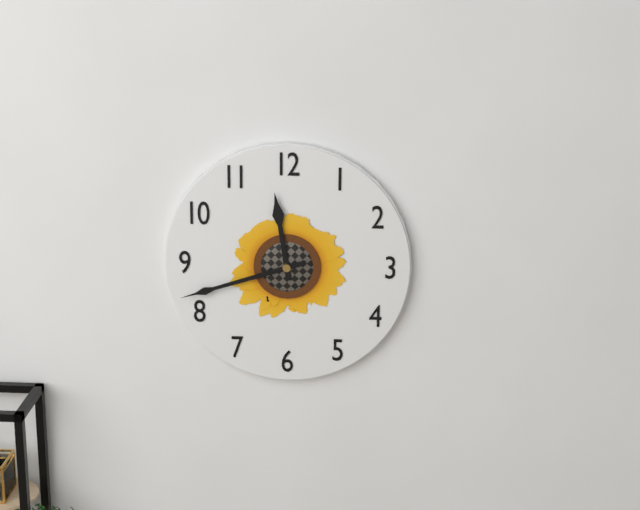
11:42
